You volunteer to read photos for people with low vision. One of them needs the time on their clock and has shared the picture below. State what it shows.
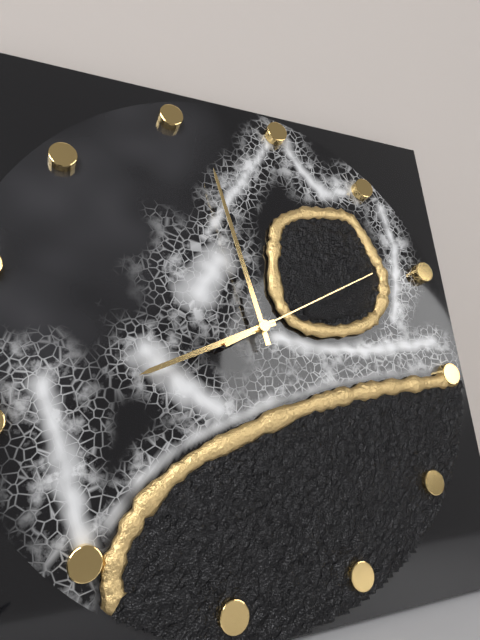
7:56:09
